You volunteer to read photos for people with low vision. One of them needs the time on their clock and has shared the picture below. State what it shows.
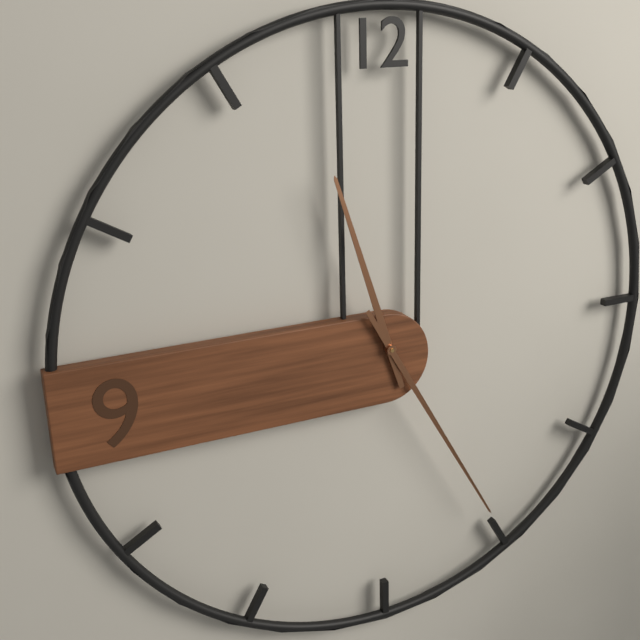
11:25
